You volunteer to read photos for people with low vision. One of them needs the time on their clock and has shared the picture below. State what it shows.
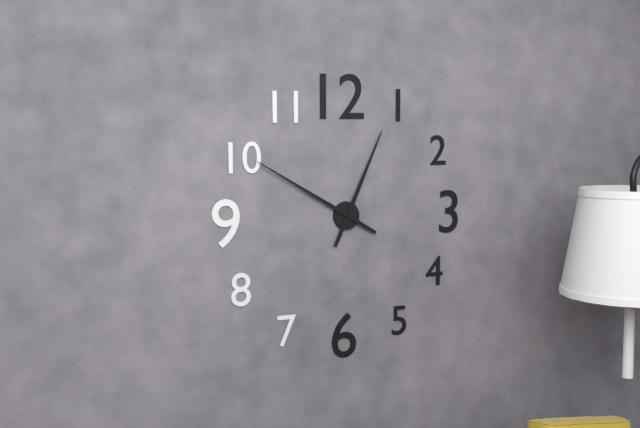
12:50
